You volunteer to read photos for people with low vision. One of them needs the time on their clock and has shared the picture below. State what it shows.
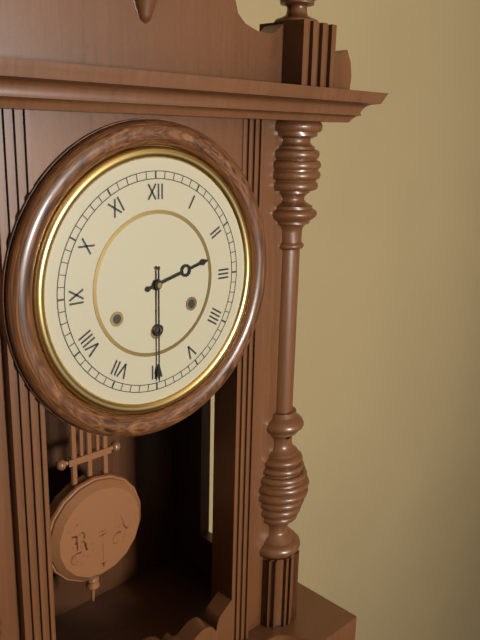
2:30
